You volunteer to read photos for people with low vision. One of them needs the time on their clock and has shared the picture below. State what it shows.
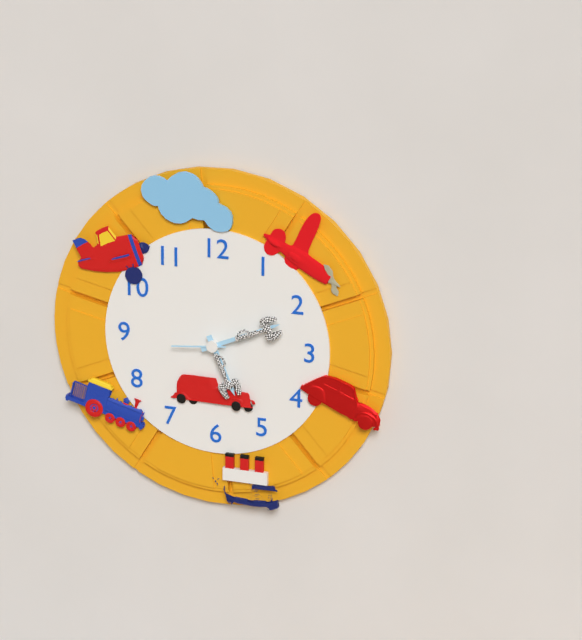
5:11:44
